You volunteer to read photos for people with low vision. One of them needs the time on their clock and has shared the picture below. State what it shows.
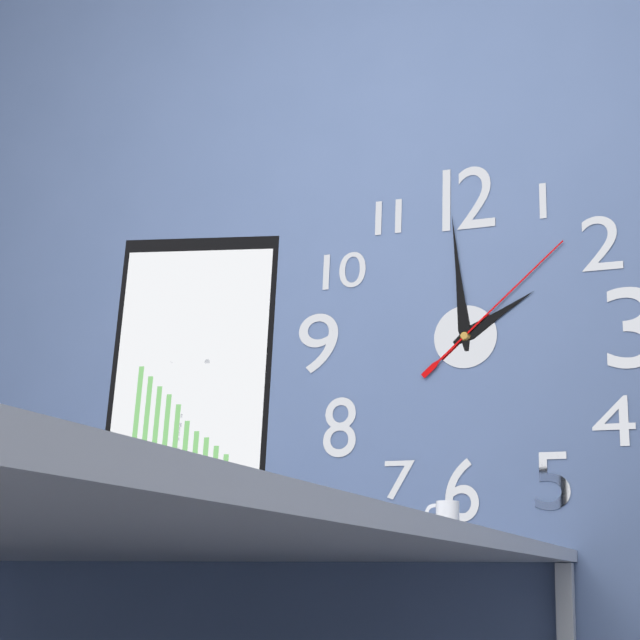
1:59:08
